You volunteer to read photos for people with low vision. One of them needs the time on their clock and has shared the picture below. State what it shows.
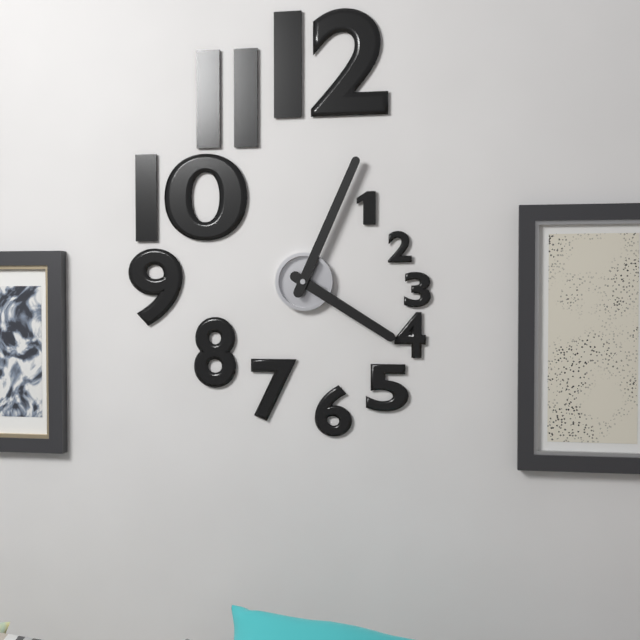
4:04
